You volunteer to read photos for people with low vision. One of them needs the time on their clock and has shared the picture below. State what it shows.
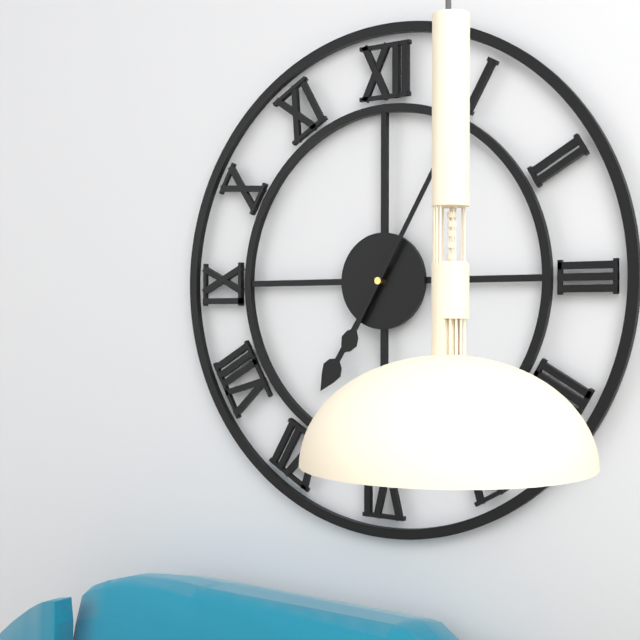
7:05
